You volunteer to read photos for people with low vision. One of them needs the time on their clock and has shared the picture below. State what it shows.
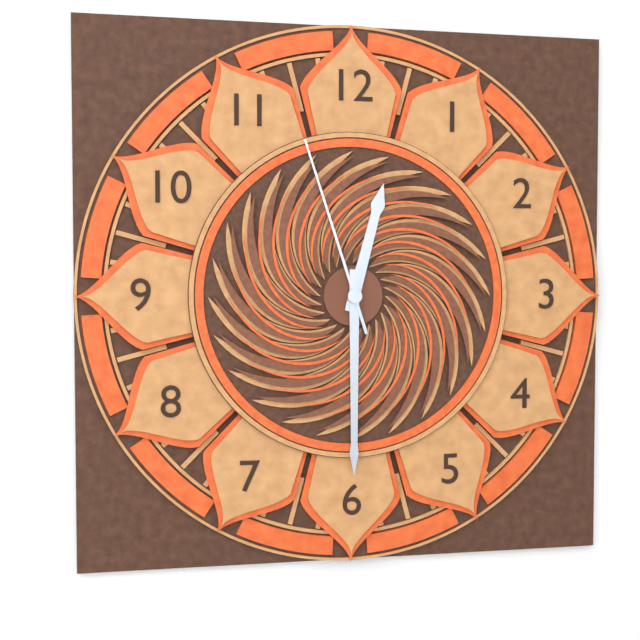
12:30:57
